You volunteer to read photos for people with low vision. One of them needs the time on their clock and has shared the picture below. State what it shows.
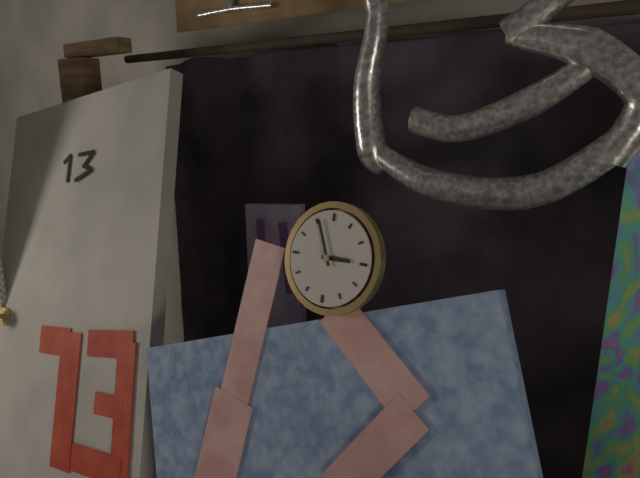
2:56
